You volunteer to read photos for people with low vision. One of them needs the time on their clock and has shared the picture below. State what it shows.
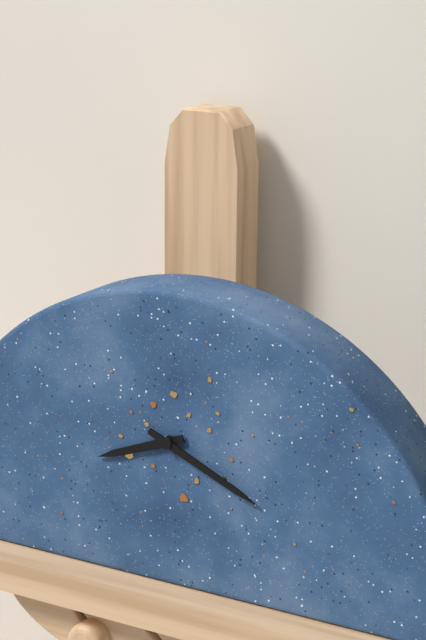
8:19
